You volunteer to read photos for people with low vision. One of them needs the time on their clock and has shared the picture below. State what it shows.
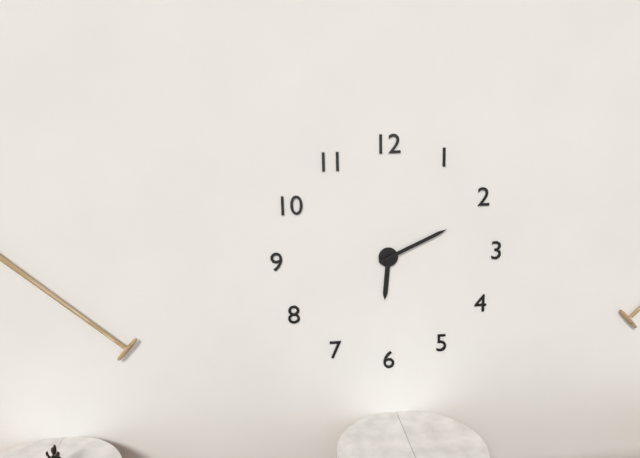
6:11
